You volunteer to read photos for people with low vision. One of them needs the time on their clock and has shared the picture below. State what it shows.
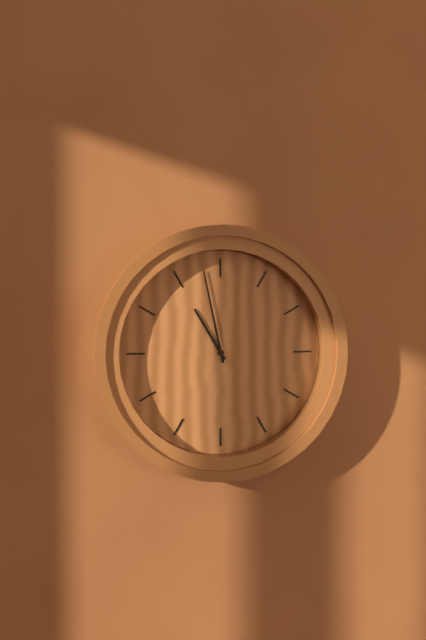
10:58
